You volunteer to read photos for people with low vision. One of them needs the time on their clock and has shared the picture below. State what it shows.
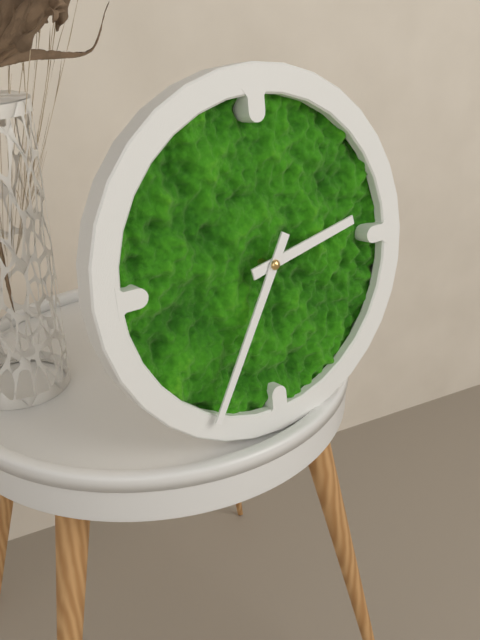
2:35
